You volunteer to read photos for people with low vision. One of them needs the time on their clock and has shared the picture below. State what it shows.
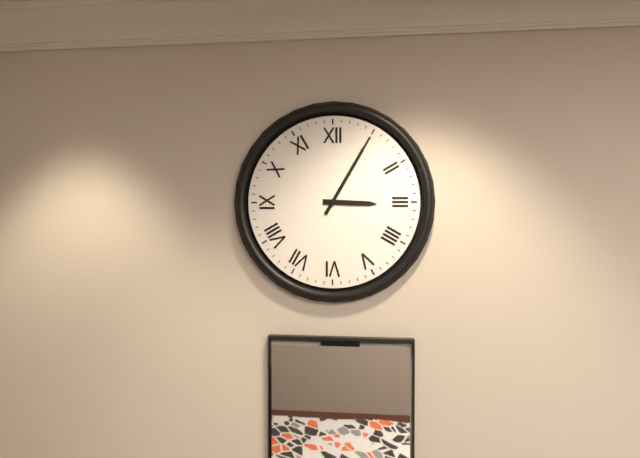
3:05
